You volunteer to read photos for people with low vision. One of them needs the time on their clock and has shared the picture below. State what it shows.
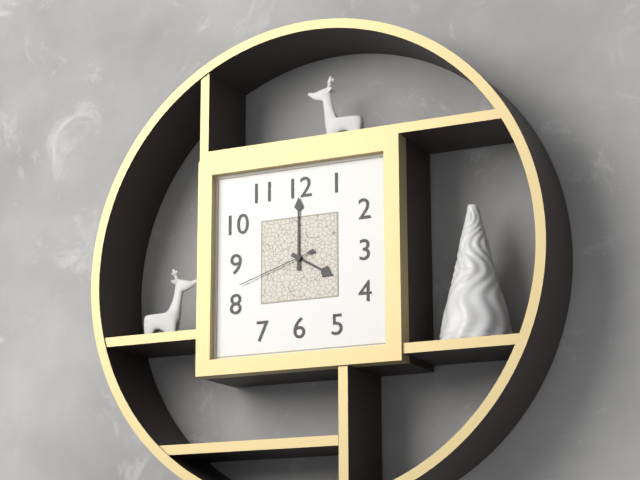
4:00:42
